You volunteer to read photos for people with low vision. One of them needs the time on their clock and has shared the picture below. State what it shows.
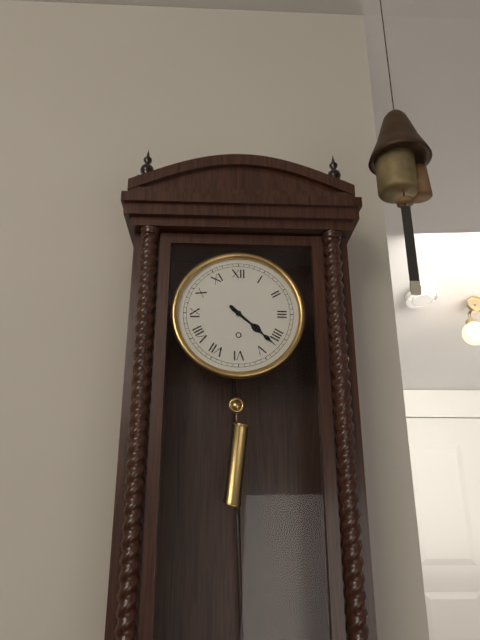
4:22
